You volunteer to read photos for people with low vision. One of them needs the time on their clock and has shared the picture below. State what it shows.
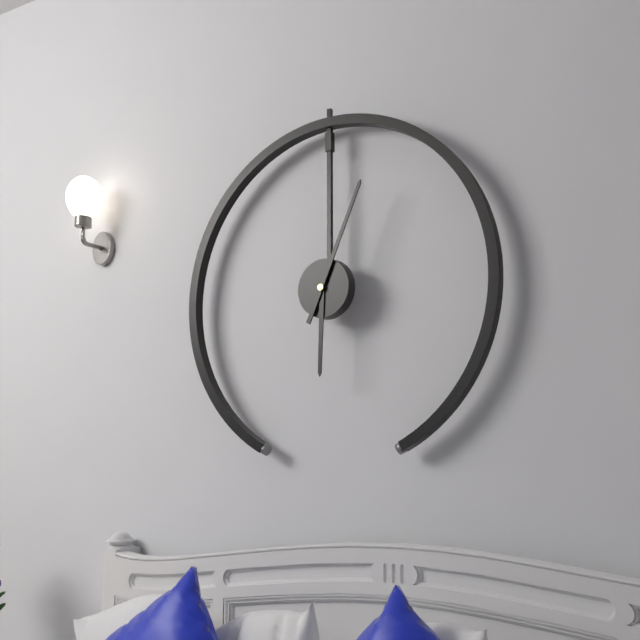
6:04
